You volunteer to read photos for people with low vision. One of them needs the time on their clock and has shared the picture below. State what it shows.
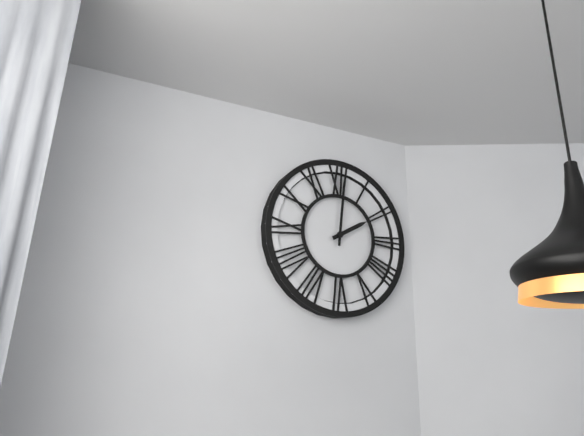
2:01
